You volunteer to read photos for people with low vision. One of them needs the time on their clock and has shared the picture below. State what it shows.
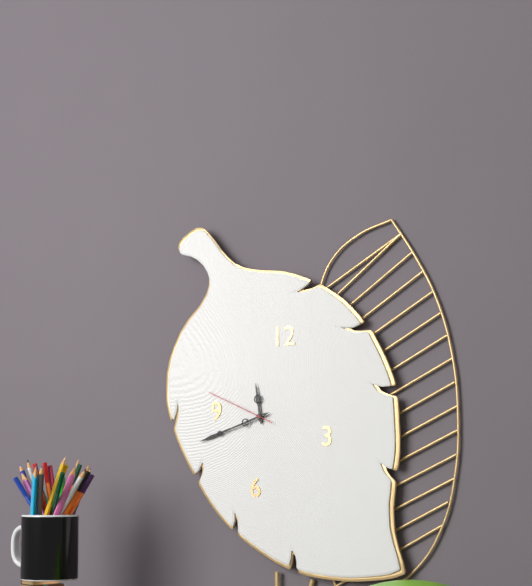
11:42:49
